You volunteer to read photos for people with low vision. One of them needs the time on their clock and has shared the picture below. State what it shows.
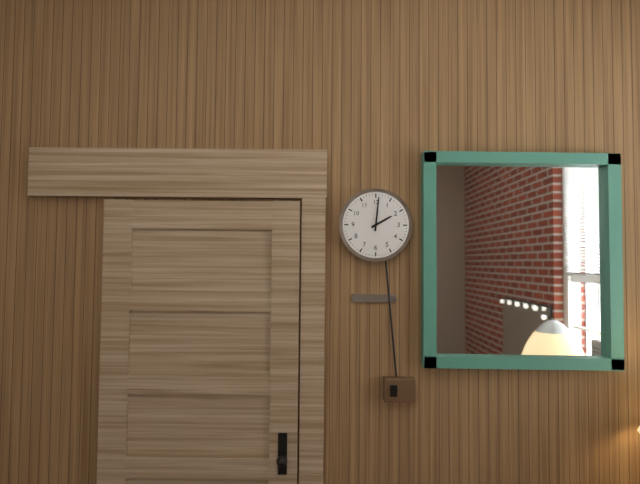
2:01
